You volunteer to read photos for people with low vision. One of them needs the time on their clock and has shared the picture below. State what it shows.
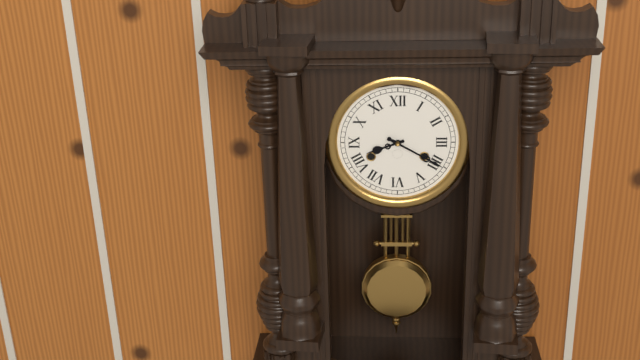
8:20
